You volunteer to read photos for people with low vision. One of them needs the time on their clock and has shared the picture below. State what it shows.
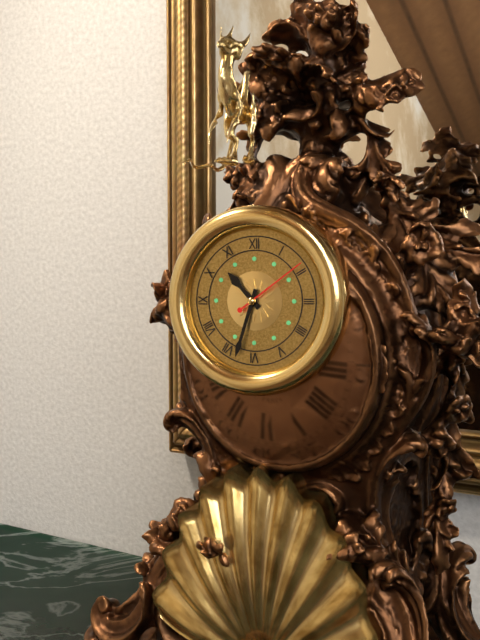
10:33:09
